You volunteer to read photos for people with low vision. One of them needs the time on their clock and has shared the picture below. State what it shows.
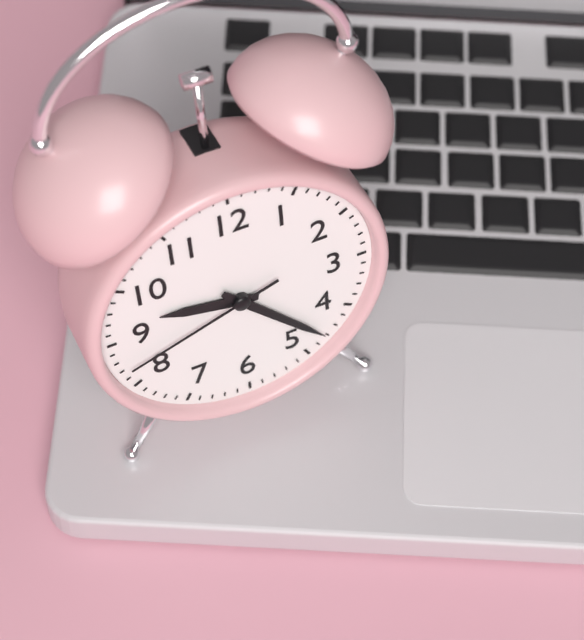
9:23:42
